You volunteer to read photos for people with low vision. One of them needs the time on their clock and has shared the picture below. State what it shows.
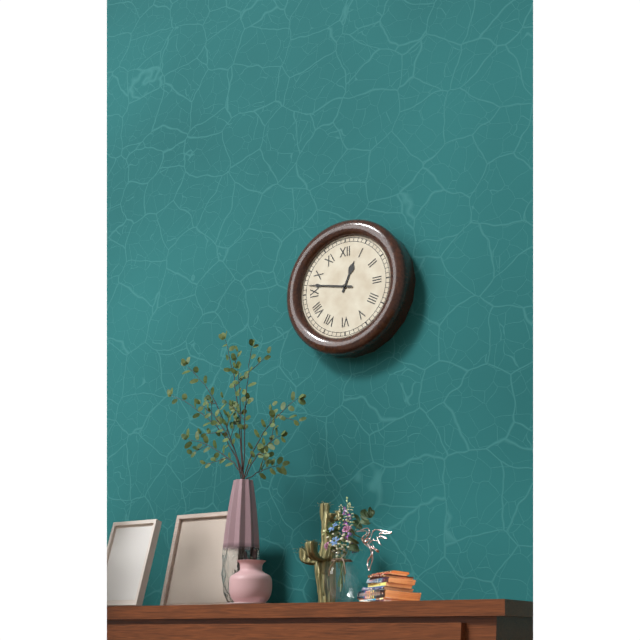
12:47
